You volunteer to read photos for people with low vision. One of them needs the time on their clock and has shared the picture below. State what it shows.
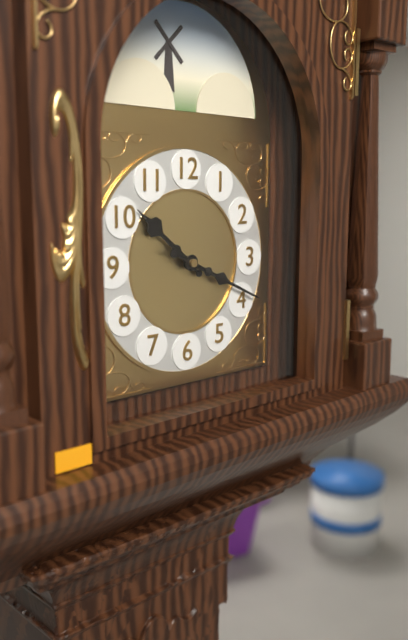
10:19
